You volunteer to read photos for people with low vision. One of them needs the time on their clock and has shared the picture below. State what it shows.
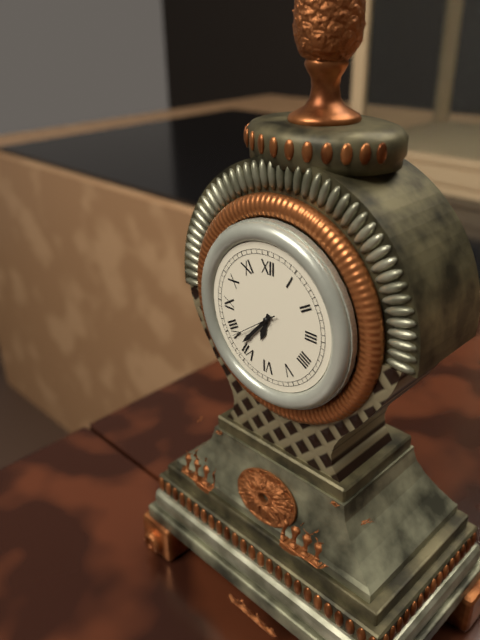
6:37
